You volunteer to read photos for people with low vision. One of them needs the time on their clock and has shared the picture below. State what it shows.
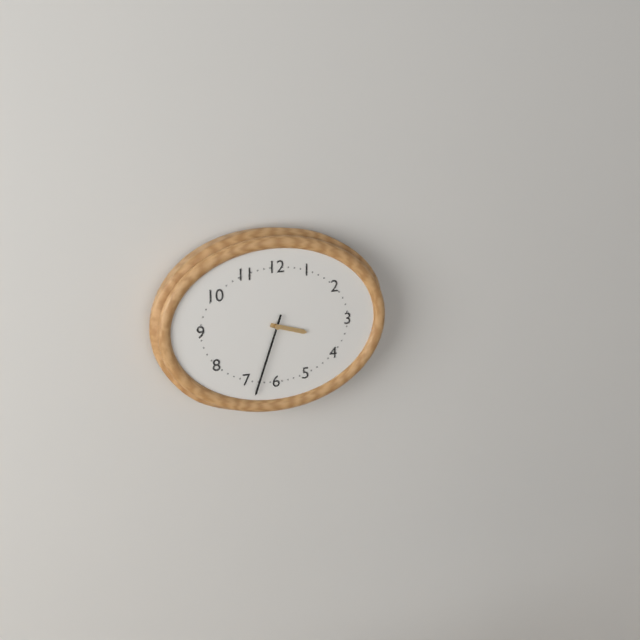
3:33
